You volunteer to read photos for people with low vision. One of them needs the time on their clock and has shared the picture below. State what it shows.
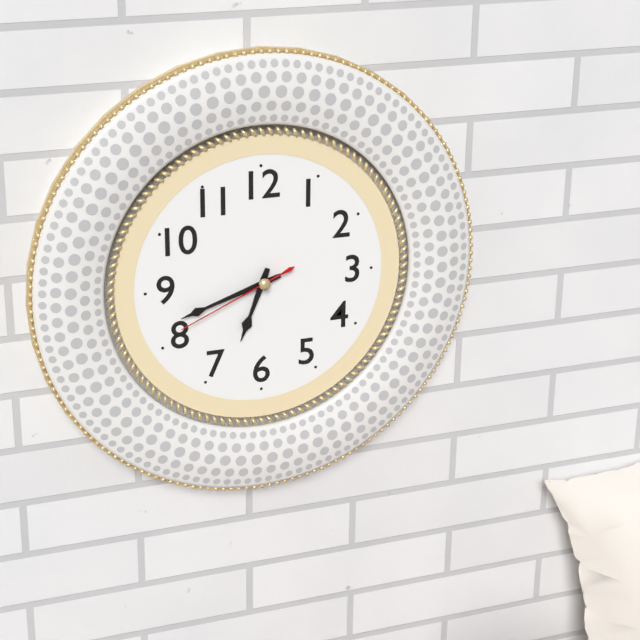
6:42:41
